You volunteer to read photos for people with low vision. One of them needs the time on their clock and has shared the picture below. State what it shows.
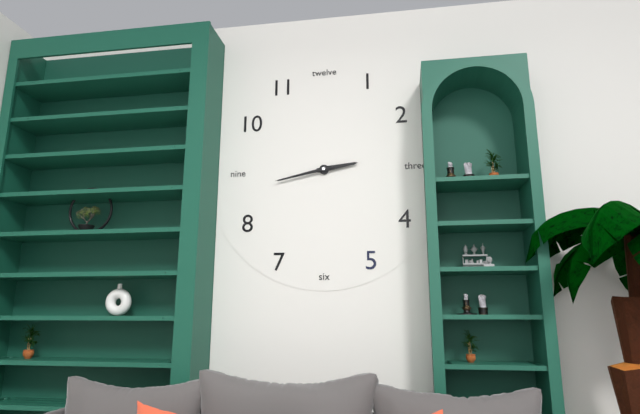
2:43
